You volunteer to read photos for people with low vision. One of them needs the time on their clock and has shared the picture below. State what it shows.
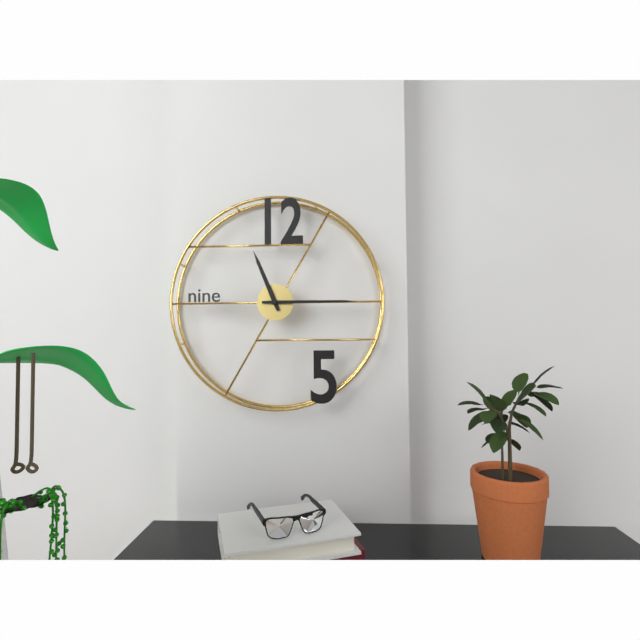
11:15
